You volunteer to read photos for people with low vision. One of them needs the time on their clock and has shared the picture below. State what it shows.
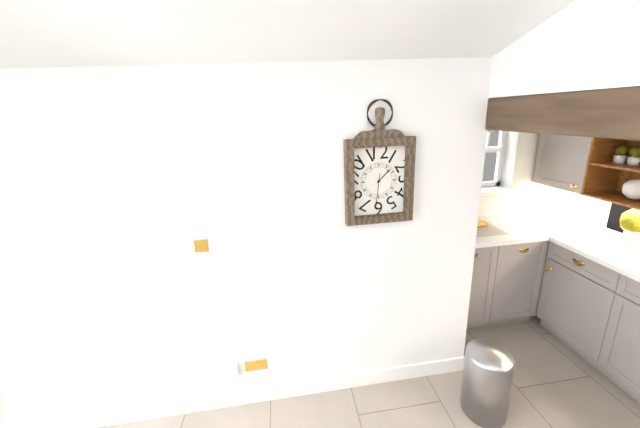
1:31
